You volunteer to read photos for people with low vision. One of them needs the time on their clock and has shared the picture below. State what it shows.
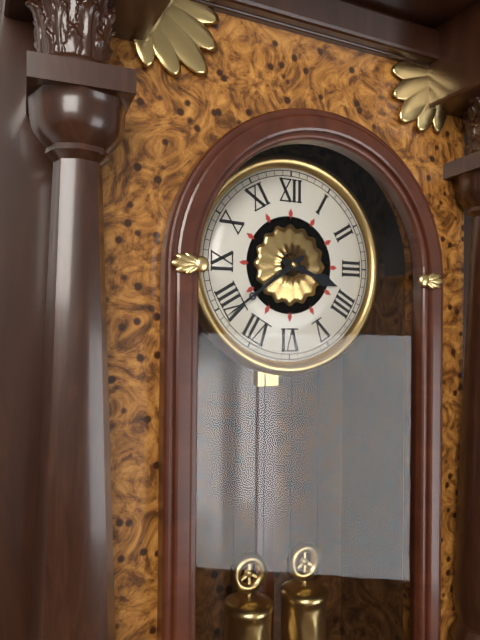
3:39
